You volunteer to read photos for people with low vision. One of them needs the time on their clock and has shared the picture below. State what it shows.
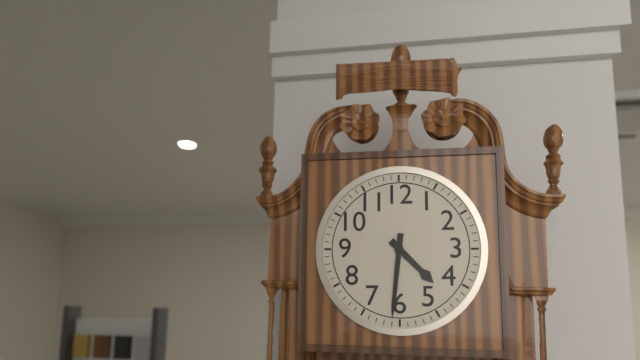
4:31
